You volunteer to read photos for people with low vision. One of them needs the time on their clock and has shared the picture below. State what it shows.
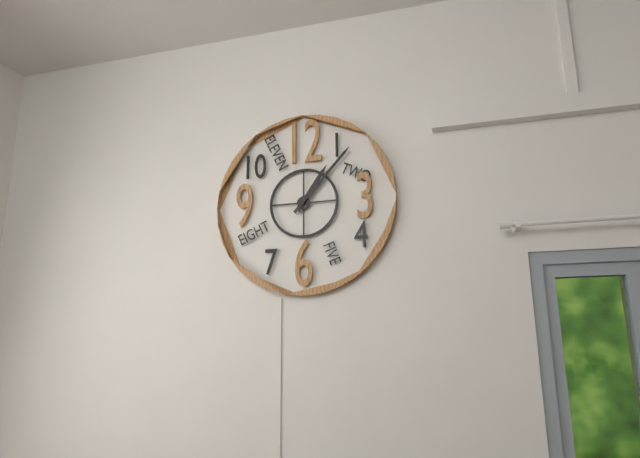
1:07
